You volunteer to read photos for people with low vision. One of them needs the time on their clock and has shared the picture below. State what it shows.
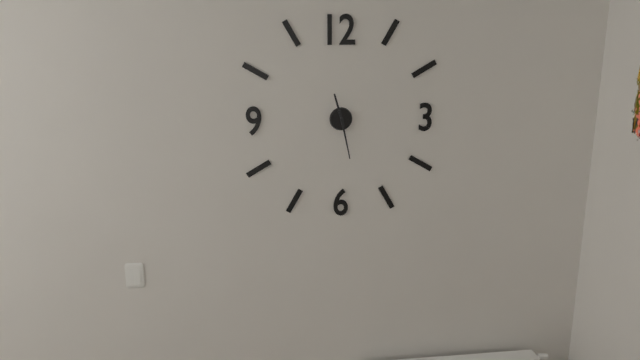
11:28
